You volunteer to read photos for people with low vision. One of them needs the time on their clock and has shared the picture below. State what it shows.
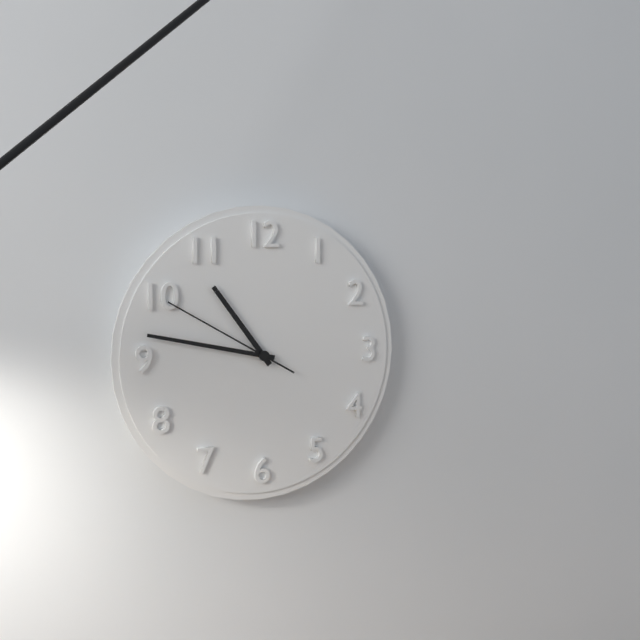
10:47:50
